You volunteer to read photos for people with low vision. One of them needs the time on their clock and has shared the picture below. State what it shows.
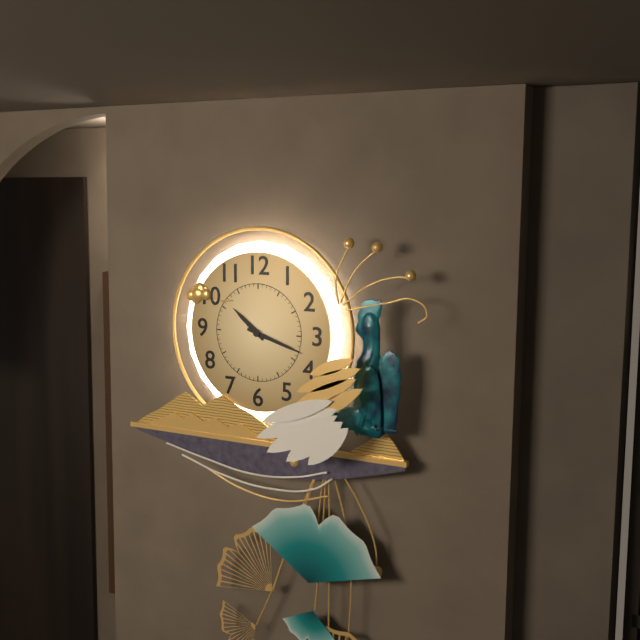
10:18
